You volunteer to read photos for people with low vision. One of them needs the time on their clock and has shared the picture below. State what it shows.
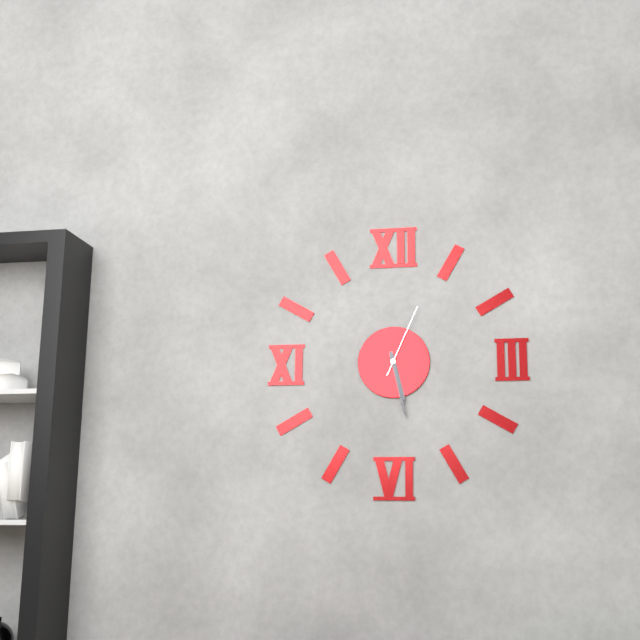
5:28:04
